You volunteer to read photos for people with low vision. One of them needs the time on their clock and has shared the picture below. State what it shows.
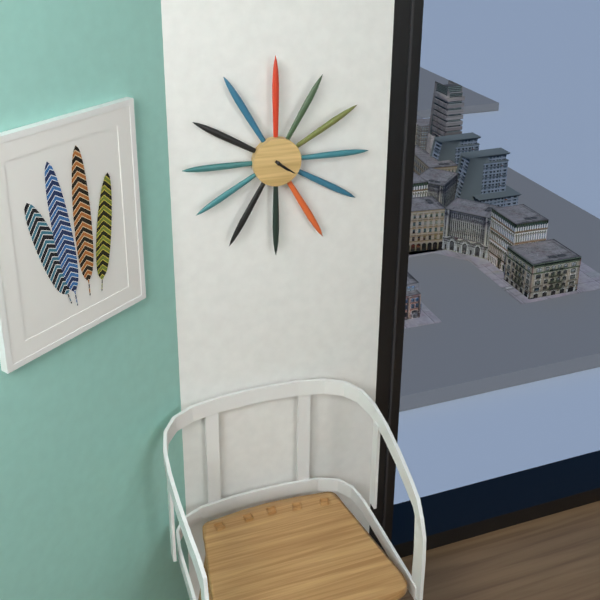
4:21
